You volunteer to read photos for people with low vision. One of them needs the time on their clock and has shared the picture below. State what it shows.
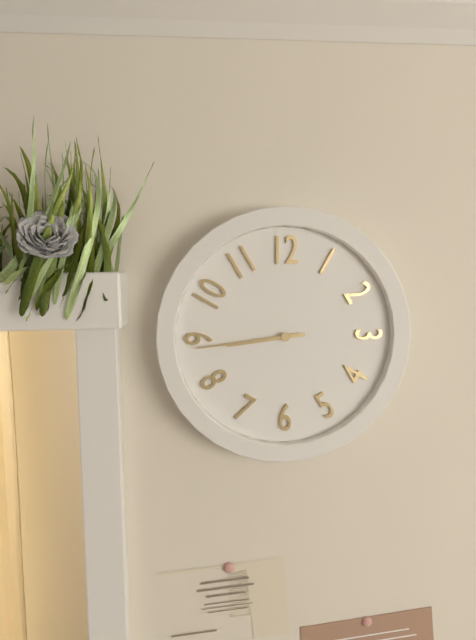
8:44
